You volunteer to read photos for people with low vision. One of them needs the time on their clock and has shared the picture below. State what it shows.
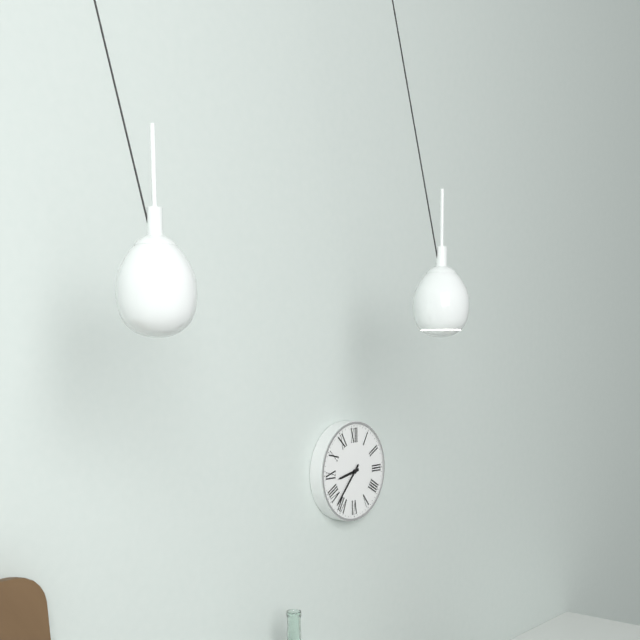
8:37
